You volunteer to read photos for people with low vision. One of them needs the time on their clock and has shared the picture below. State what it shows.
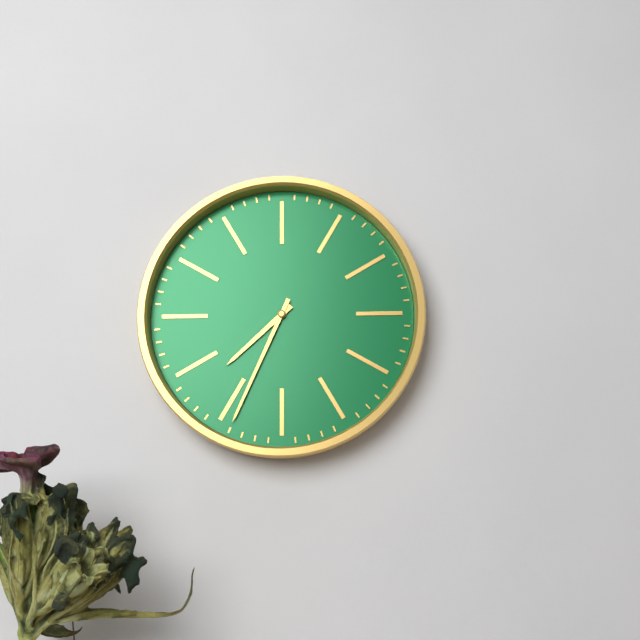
7:34
